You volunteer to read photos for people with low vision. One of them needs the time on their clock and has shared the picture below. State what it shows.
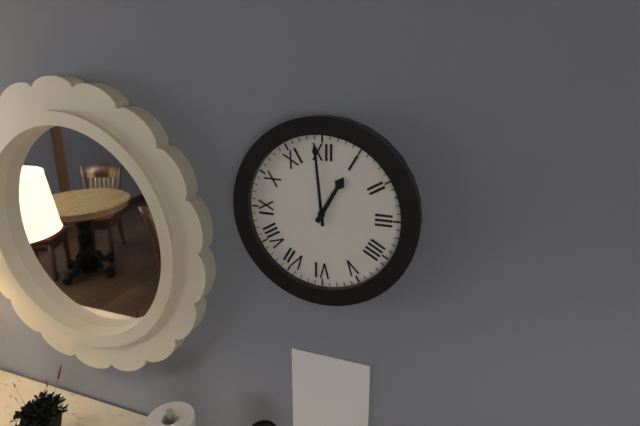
12:59
